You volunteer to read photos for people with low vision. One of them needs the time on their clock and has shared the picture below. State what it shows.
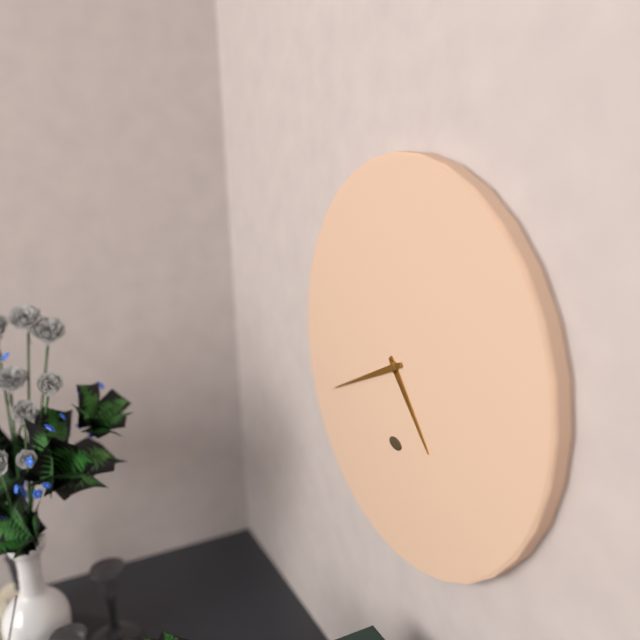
4:41
